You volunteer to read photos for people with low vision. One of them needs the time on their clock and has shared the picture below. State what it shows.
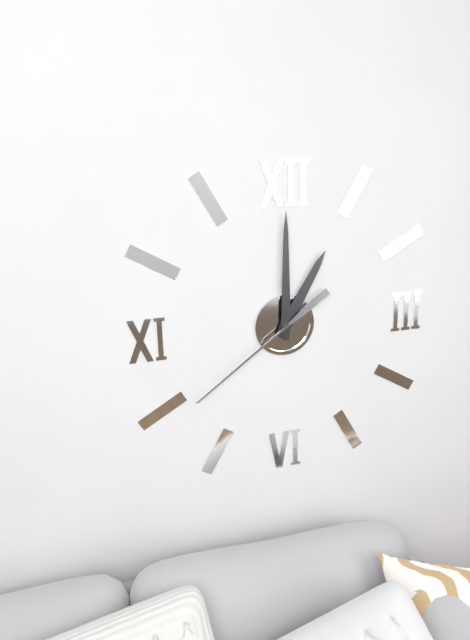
1:00:39
